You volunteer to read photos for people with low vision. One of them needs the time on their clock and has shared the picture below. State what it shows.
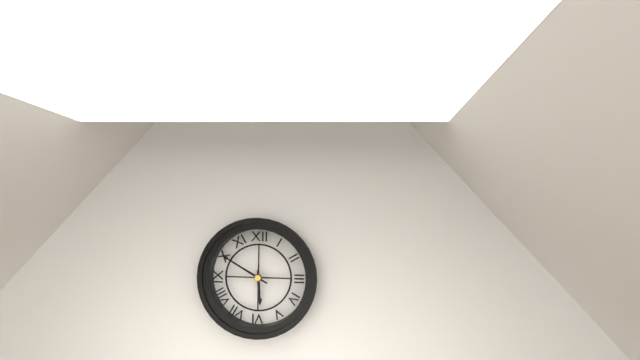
5:50
